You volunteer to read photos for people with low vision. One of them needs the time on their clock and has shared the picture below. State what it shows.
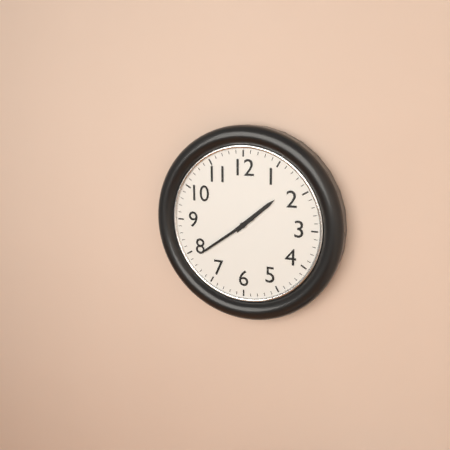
1:39
